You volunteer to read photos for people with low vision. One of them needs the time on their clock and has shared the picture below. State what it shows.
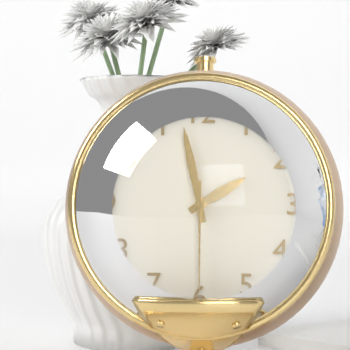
1:58:30
